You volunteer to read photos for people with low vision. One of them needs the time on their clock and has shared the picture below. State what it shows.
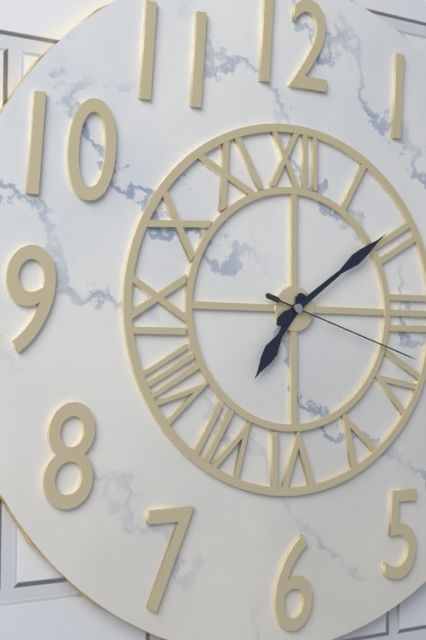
7:09:18
